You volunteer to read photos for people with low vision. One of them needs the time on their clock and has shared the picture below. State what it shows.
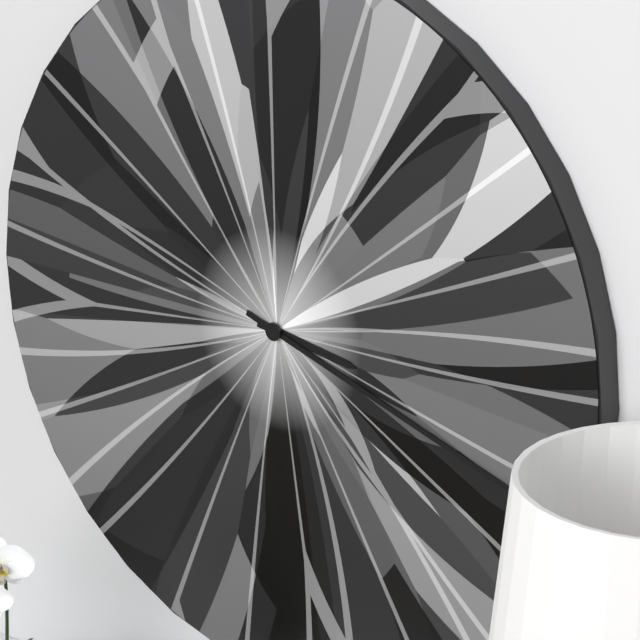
3:18
